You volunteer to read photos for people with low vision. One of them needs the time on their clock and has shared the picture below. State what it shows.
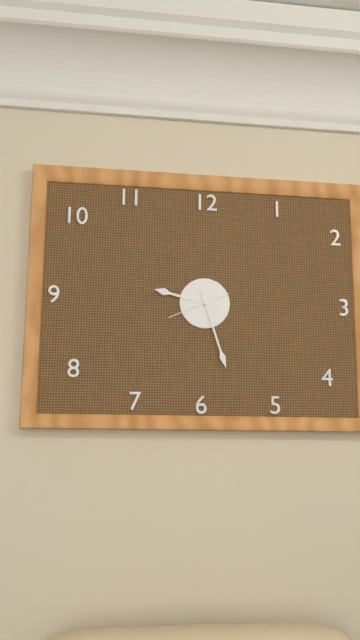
9:27:41
